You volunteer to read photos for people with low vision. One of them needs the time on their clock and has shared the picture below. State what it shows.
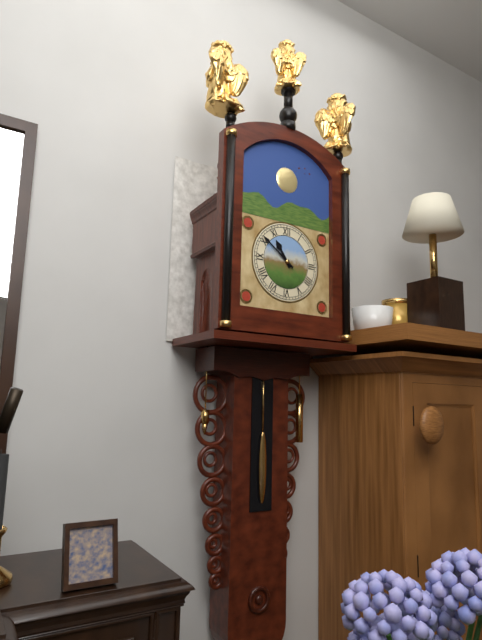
10:51
